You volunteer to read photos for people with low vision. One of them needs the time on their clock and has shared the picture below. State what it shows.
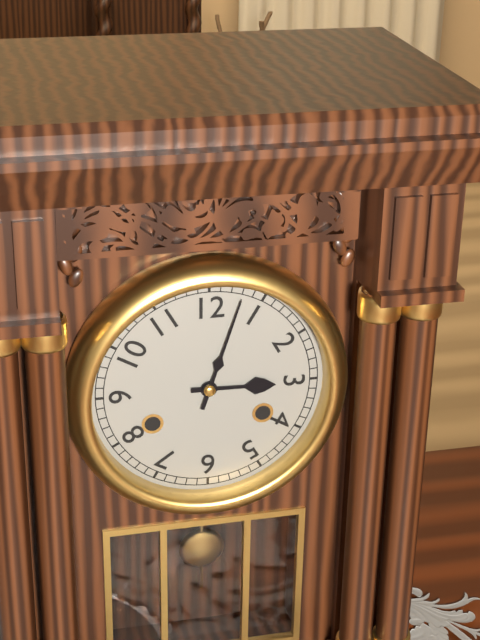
3:03
